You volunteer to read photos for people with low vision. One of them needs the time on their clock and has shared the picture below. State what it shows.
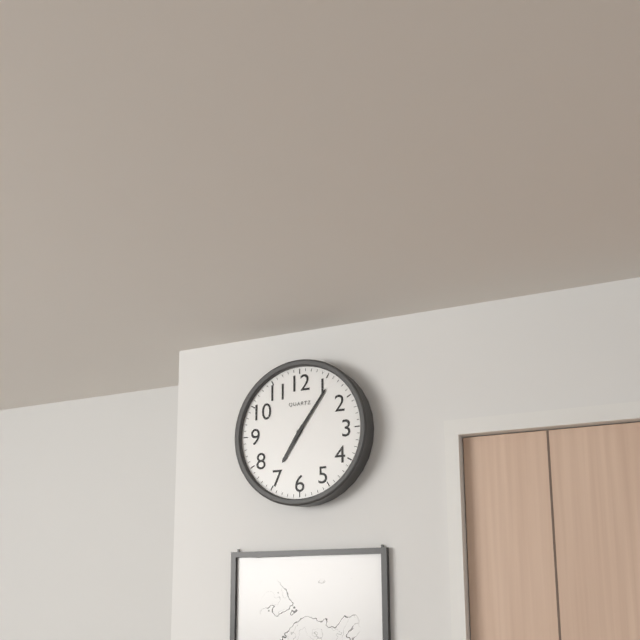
7:06
